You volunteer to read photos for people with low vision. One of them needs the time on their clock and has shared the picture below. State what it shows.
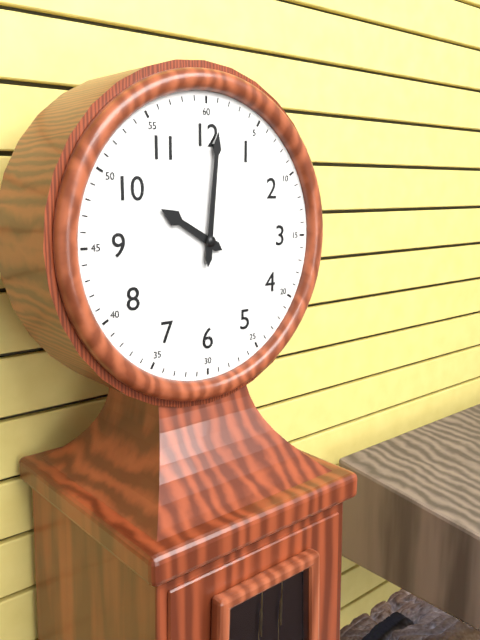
10:01
